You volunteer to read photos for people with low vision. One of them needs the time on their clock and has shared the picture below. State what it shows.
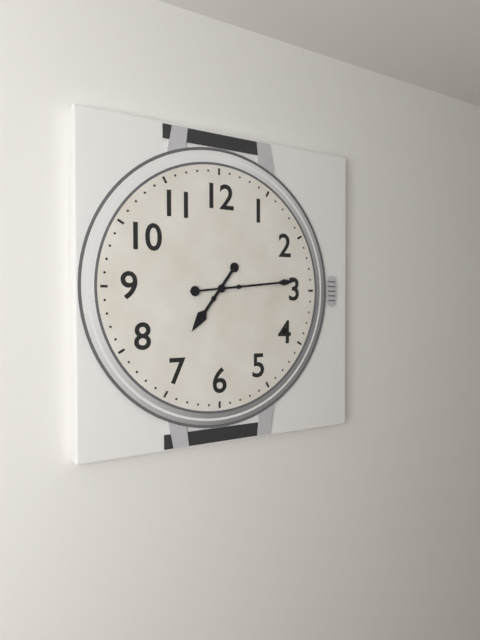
7:14
